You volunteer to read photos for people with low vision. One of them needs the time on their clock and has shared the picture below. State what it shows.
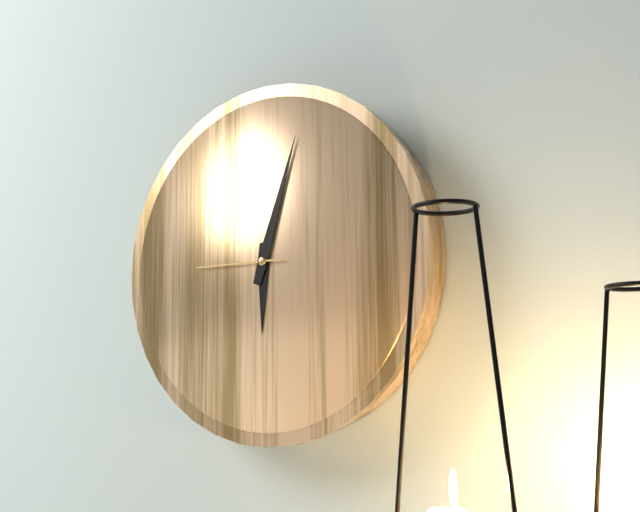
6:03:45
